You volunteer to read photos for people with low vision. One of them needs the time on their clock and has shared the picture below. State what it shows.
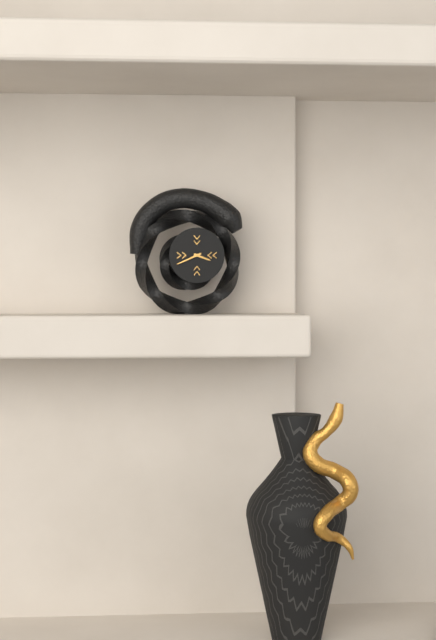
3:41
